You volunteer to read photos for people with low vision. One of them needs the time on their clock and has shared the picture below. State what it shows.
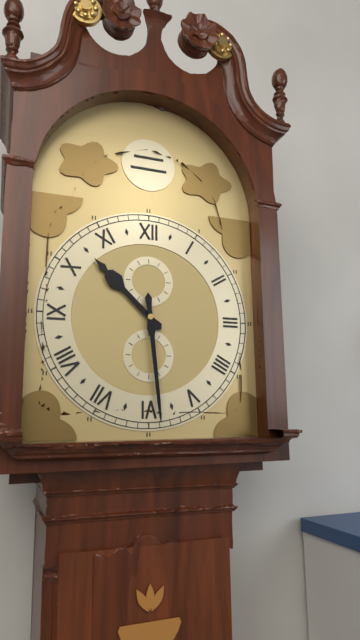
10:29
